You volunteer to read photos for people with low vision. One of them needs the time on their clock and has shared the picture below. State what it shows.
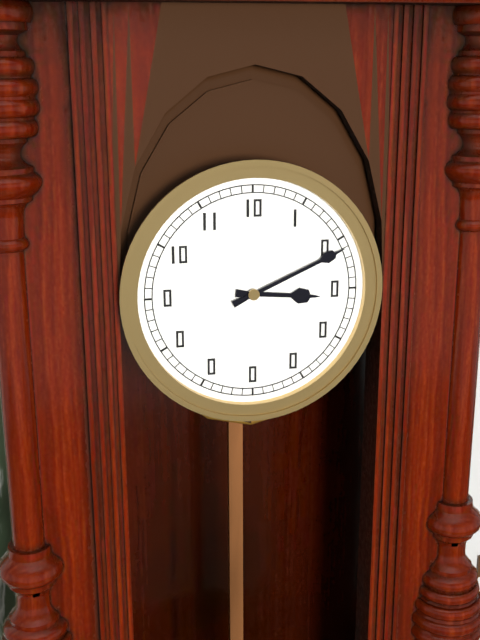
3:11
